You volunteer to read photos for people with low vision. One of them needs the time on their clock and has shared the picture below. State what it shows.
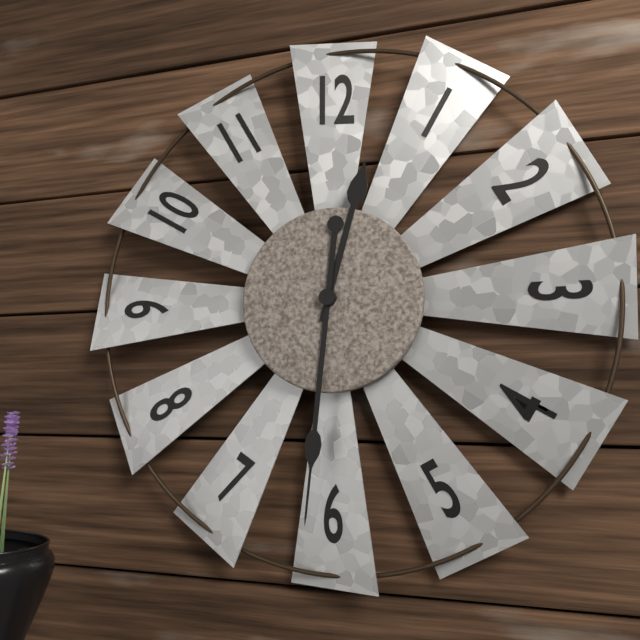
12:31
